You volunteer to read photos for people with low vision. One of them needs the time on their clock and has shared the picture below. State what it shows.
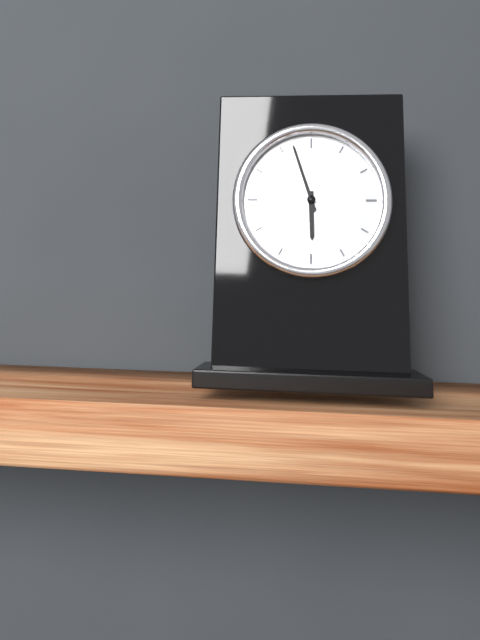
5:57
